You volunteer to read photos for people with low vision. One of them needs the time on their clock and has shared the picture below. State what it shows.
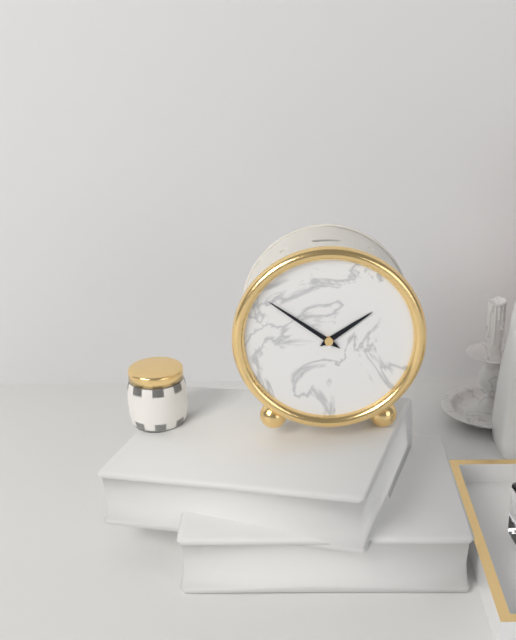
1:51
